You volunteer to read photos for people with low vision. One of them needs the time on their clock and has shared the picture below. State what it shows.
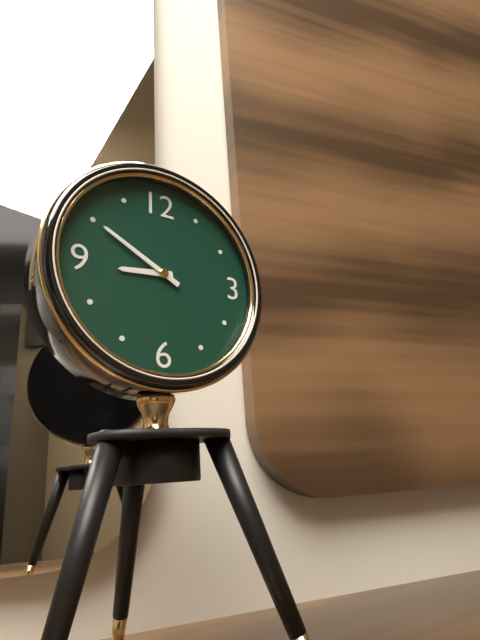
8:50
